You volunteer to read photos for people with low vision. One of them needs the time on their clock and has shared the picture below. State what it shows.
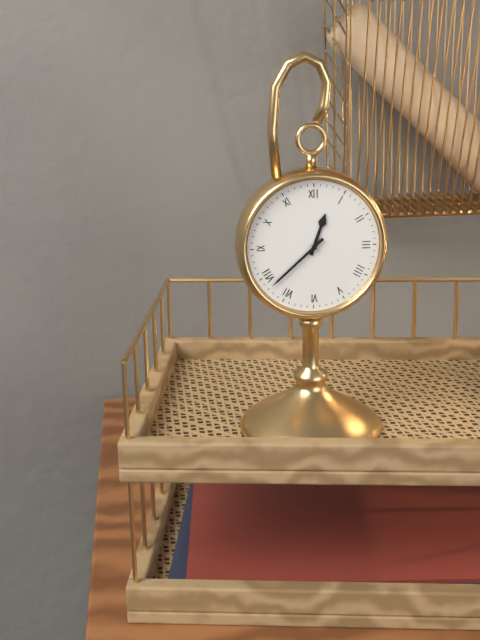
12:38
